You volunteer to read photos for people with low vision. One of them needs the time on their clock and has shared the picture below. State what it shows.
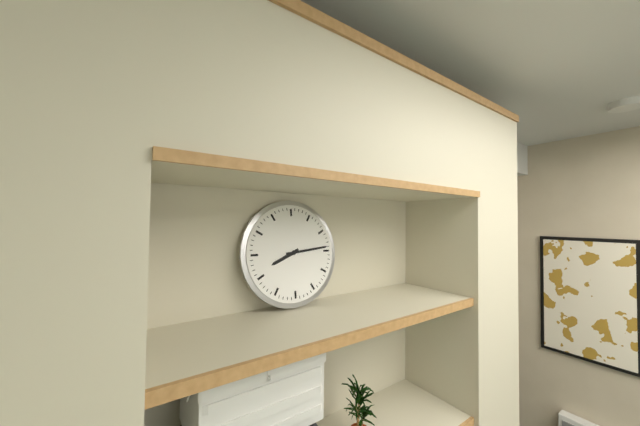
8:14
